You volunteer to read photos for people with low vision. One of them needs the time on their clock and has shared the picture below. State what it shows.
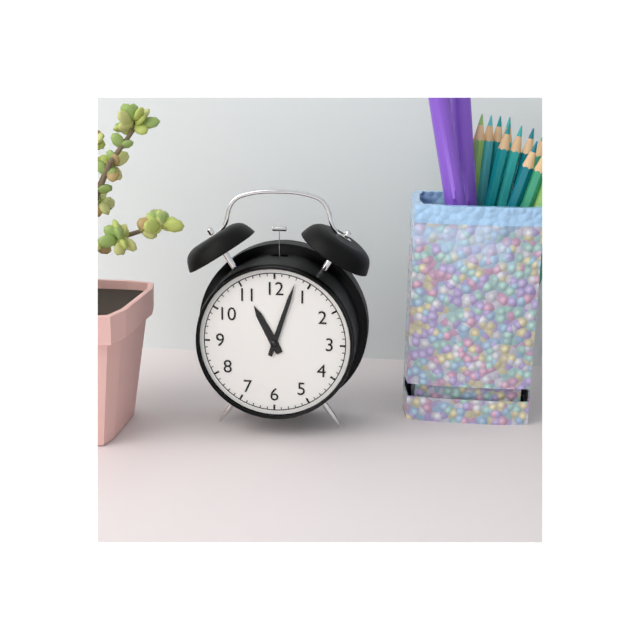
11:03
